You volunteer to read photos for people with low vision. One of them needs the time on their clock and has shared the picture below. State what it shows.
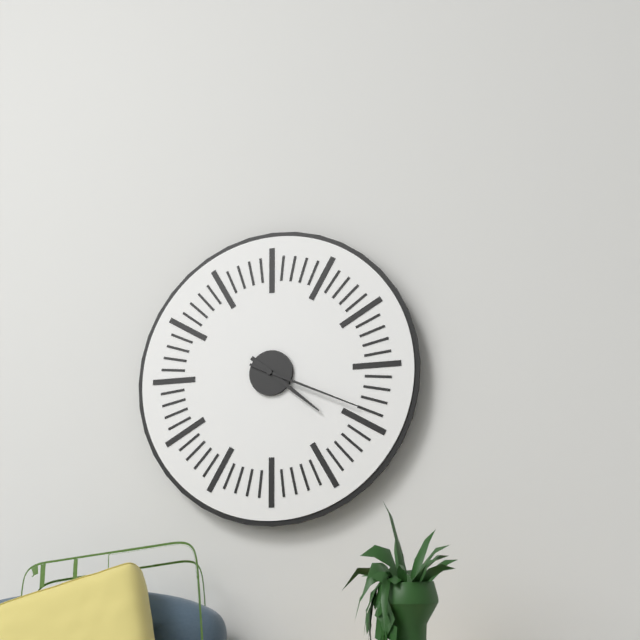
4:19
